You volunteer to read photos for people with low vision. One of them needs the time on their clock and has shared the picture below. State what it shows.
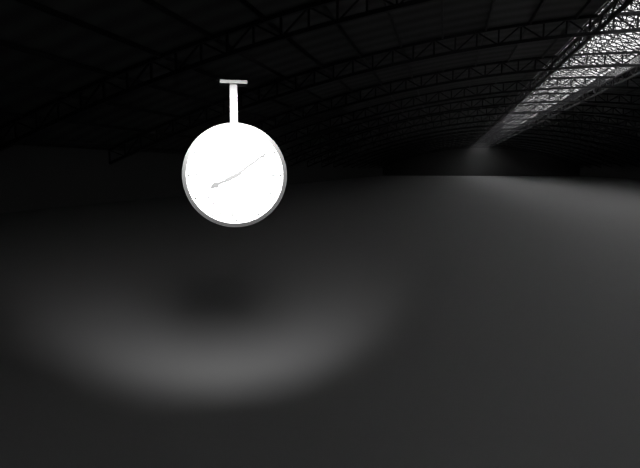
8:09
